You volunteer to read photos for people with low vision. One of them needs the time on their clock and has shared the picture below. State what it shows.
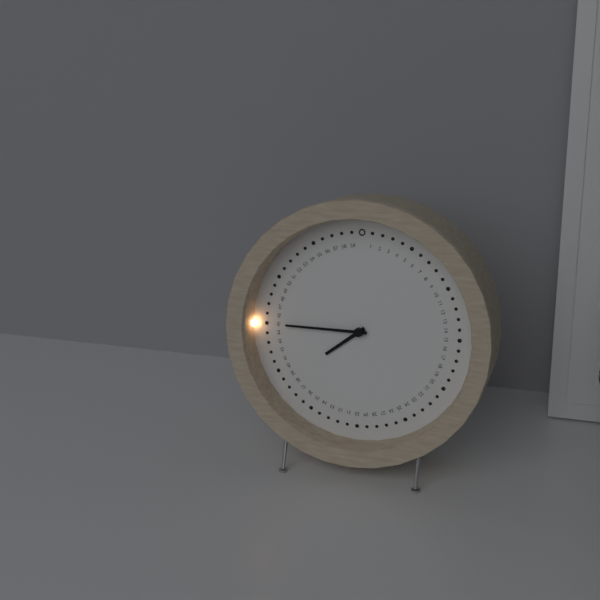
7:45
